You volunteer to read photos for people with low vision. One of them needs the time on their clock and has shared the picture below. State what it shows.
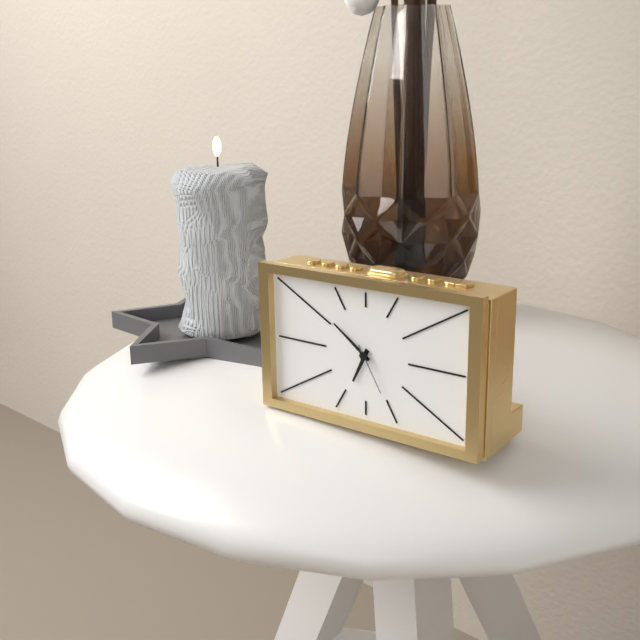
6:51:25
